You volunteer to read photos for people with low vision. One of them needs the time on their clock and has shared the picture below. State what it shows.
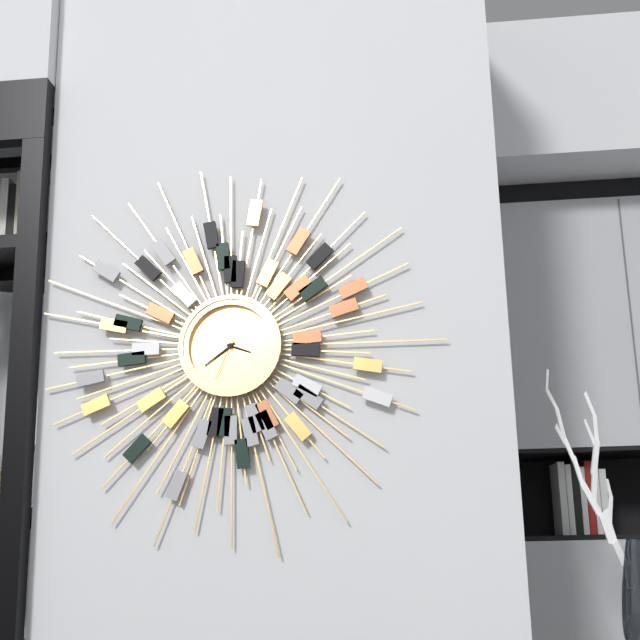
3:39
